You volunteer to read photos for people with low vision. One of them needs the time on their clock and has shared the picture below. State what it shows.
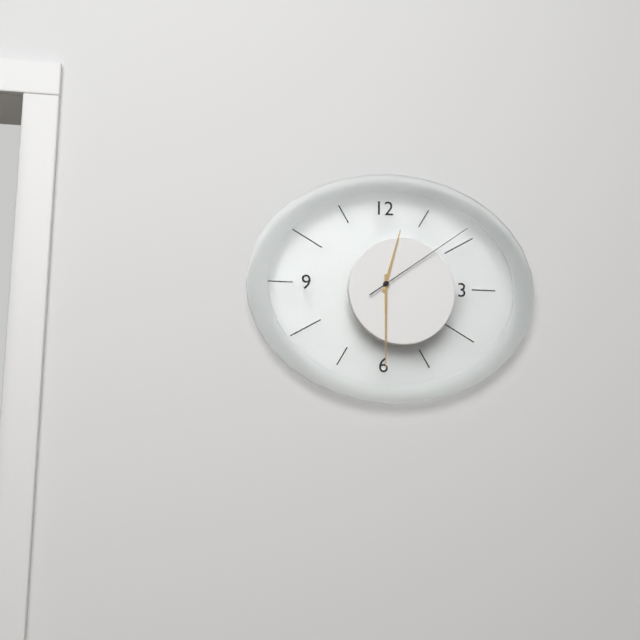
12:30:09
